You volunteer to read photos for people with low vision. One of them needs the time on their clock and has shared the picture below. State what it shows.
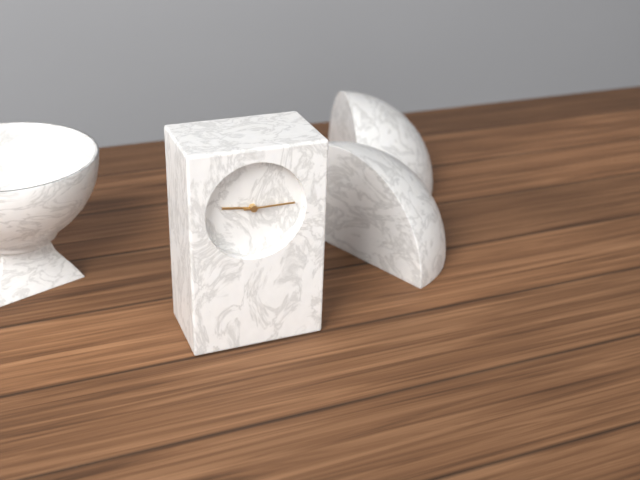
9:15
